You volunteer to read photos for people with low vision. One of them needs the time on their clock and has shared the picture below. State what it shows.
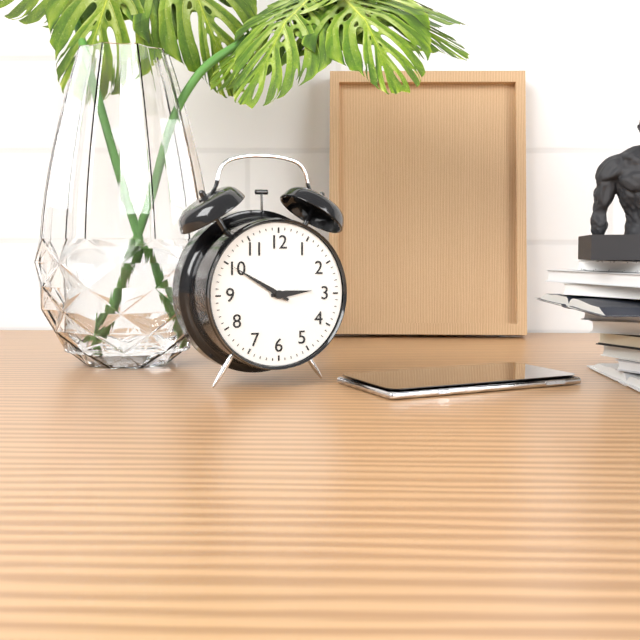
2:50
